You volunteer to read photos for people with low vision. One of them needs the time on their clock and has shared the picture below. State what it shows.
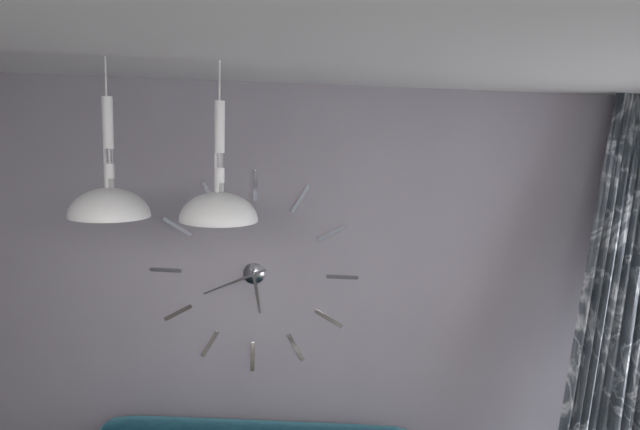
5:41
